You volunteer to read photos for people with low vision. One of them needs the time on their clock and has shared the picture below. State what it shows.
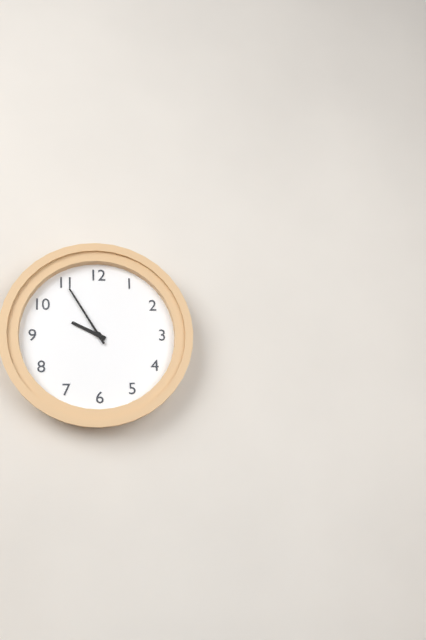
9:55
